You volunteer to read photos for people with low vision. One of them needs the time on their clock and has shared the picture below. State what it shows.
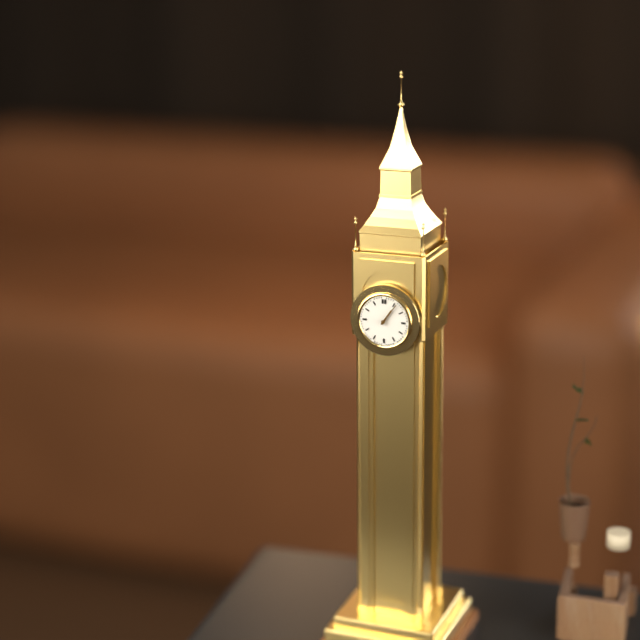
1:06
